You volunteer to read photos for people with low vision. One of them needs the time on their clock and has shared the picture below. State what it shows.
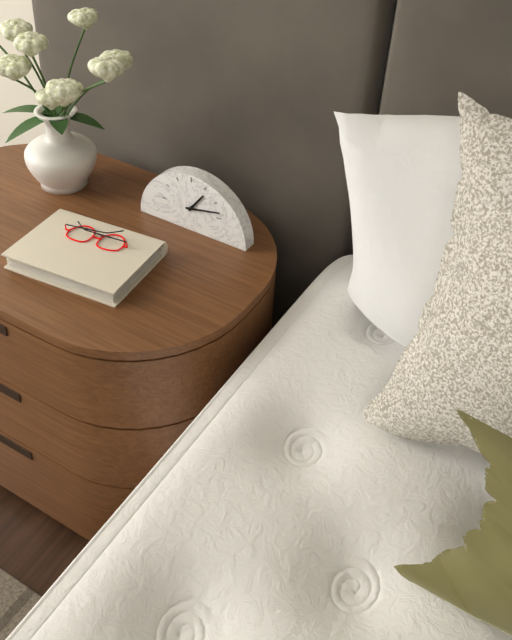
1:13
